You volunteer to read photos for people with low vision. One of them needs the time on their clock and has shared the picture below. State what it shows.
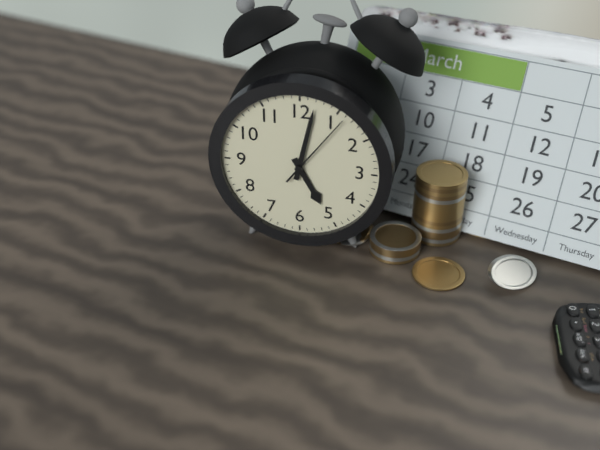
5:02:06
